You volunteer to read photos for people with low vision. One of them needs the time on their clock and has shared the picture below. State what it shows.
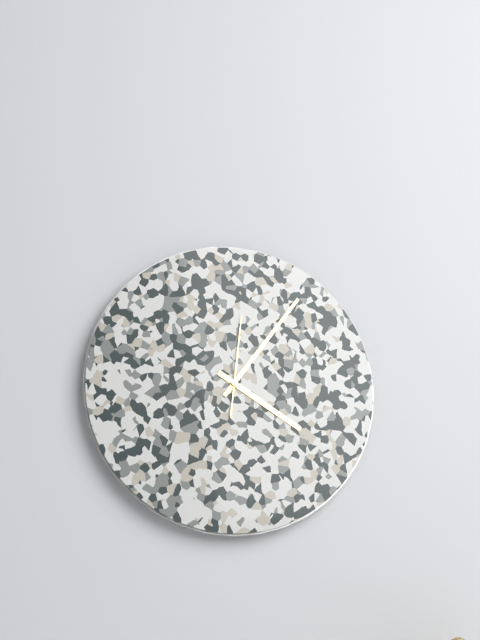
4:06:01
